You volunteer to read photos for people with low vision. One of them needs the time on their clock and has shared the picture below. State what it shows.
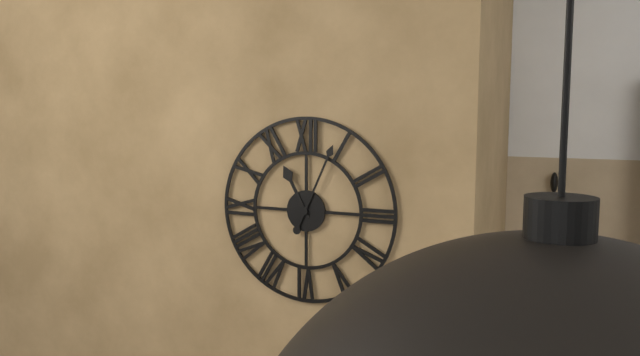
11:04
